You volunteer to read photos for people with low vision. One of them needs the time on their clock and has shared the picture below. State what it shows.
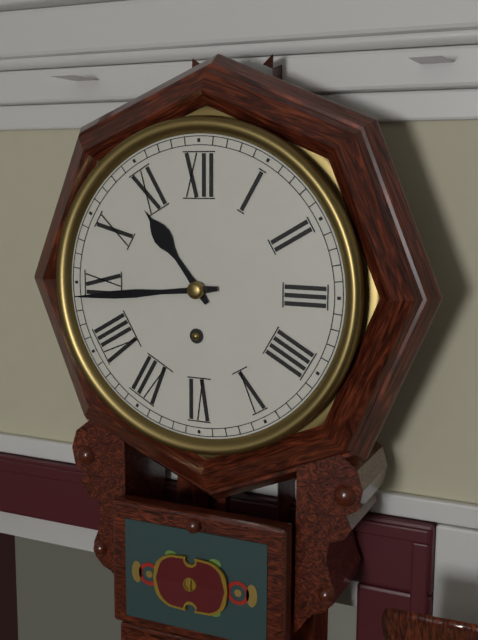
10:44
